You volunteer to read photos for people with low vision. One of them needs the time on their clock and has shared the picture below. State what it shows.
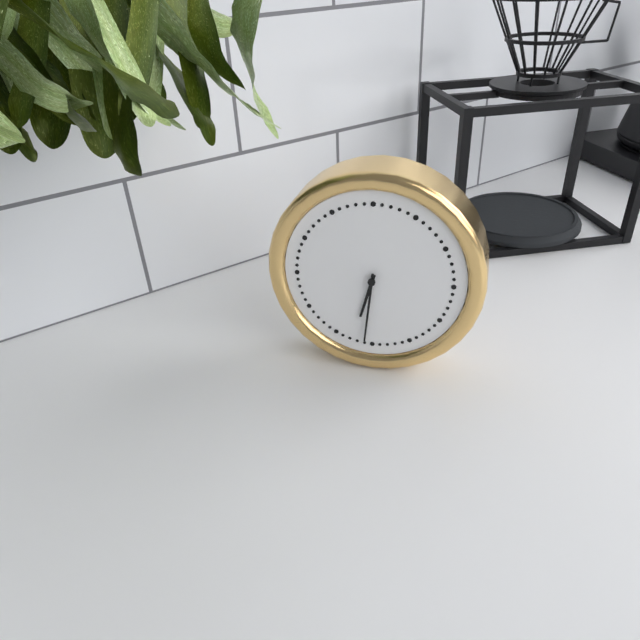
6:31
